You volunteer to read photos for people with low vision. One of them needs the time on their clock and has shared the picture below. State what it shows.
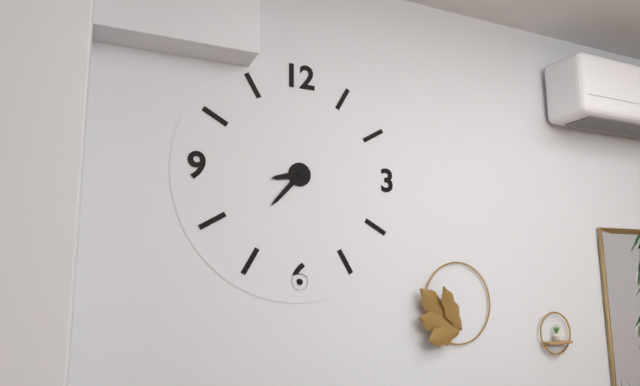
8:37
